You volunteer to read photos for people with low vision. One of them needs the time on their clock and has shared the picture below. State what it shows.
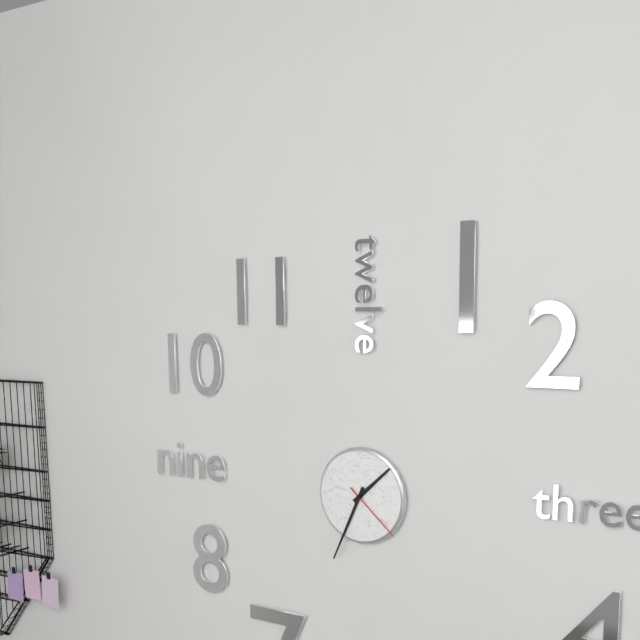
1:34:22
